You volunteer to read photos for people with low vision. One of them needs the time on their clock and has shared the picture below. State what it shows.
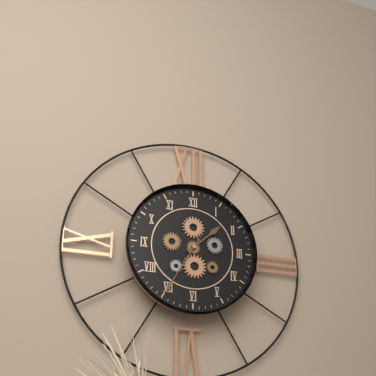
1:35
